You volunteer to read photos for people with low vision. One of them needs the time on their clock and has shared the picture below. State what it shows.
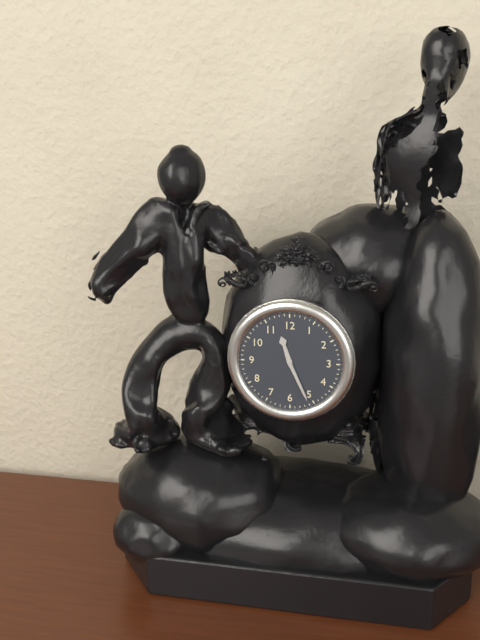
11:26
